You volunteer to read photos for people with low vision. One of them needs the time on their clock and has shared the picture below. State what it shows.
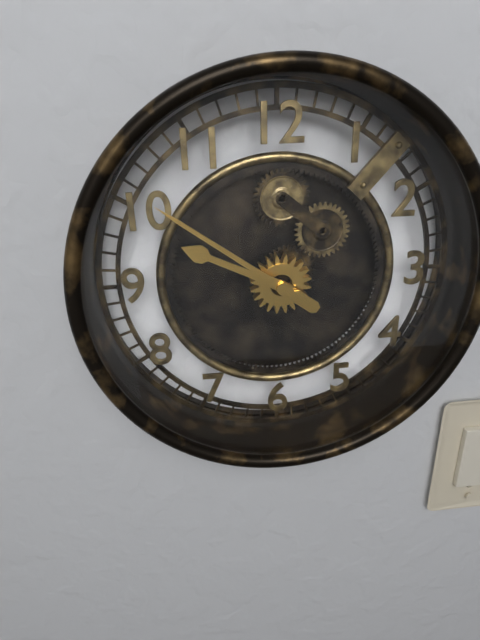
9:51
